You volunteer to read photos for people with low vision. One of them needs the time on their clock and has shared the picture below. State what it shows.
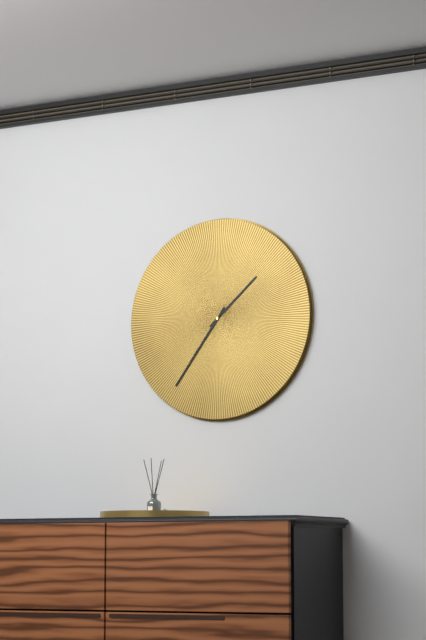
1:36
